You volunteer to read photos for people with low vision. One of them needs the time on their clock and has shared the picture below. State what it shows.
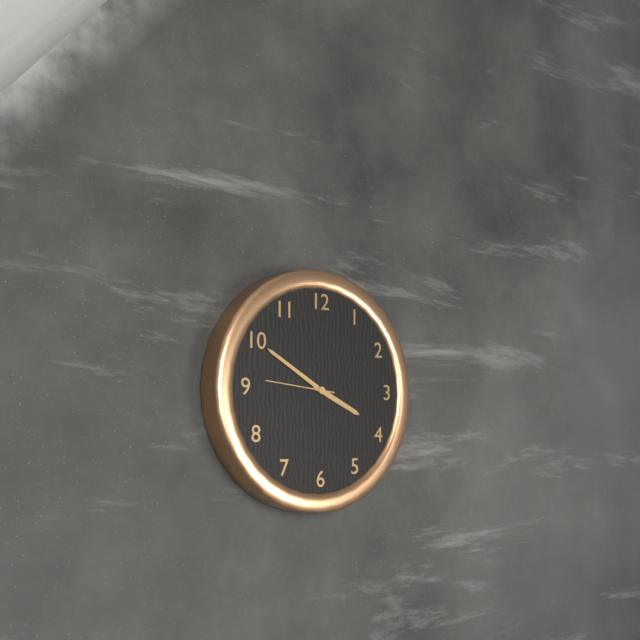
3:50:46
